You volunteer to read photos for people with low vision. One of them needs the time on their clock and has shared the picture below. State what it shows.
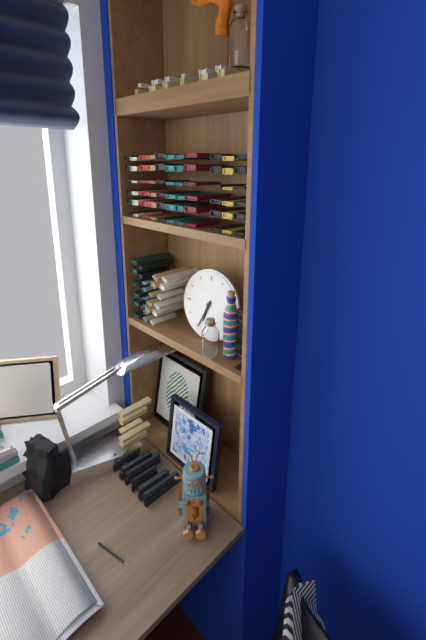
6:34
